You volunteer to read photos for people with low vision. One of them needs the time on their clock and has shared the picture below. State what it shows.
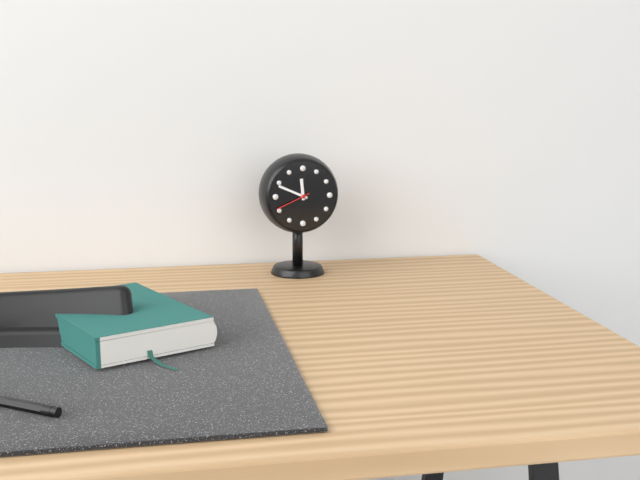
11:49
